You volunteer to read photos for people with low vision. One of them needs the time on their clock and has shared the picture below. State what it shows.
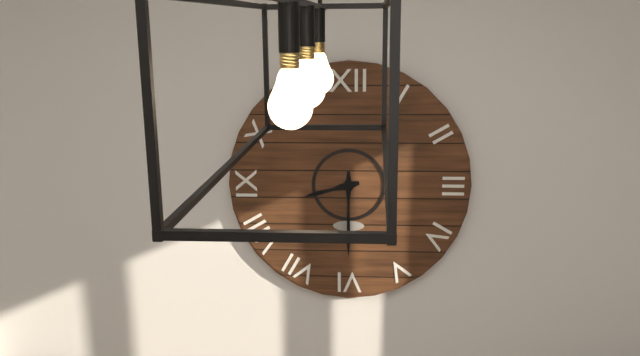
8:30
